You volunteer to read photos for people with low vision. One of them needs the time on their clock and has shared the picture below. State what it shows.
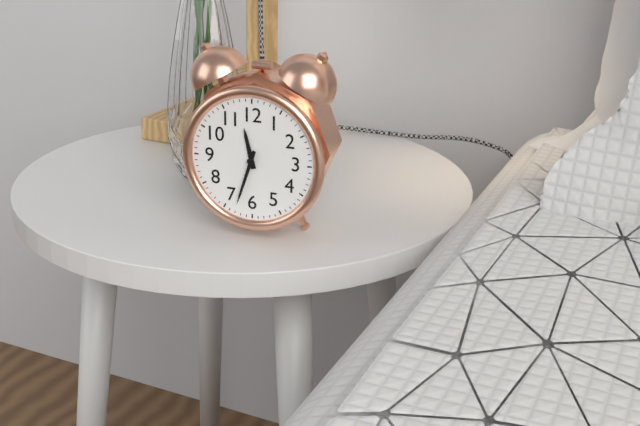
11:33
